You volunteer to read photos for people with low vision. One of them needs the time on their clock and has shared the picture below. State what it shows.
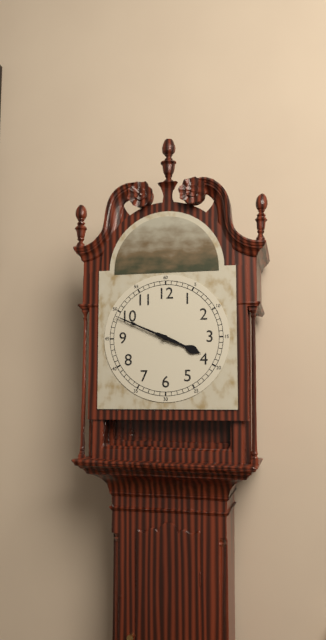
3:49
